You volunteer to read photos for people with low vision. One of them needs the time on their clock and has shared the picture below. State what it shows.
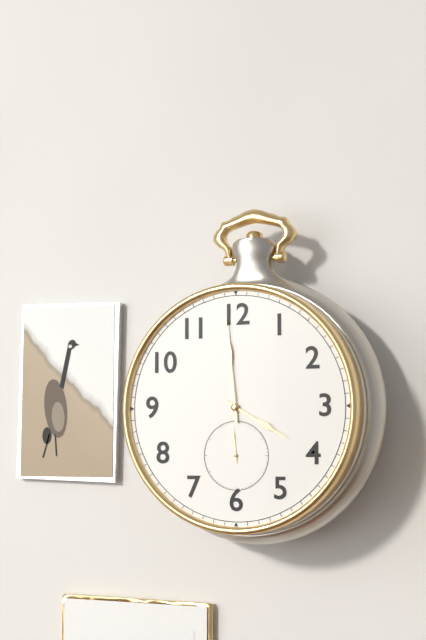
3:59
